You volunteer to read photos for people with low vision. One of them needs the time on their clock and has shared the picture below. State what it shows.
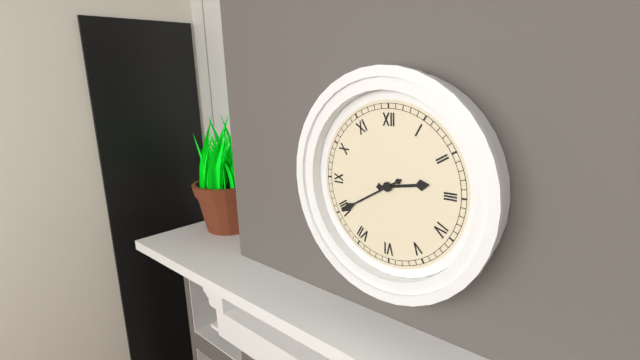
2:40
